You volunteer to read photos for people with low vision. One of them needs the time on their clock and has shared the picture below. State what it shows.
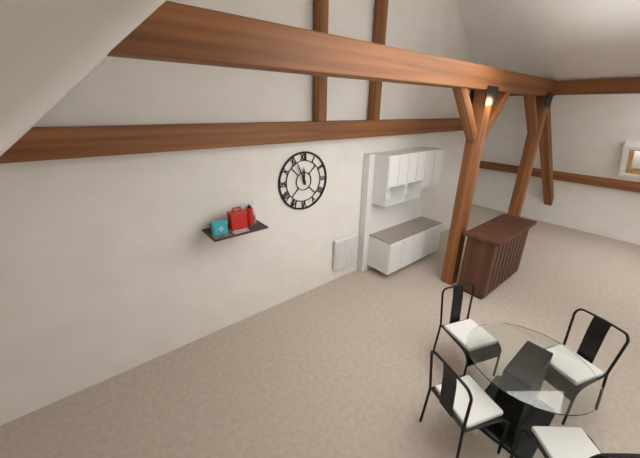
11:56
